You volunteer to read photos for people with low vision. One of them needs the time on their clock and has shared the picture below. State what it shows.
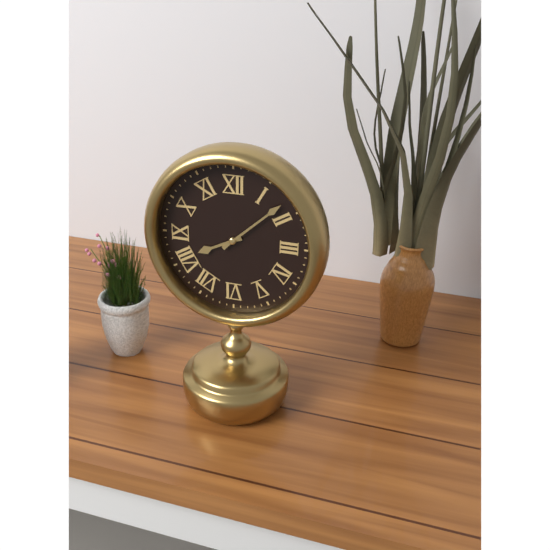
8:08
